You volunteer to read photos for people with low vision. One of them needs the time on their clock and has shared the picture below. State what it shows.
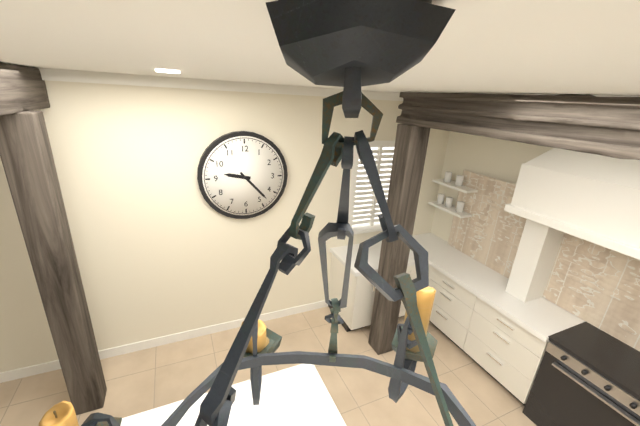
9:23
